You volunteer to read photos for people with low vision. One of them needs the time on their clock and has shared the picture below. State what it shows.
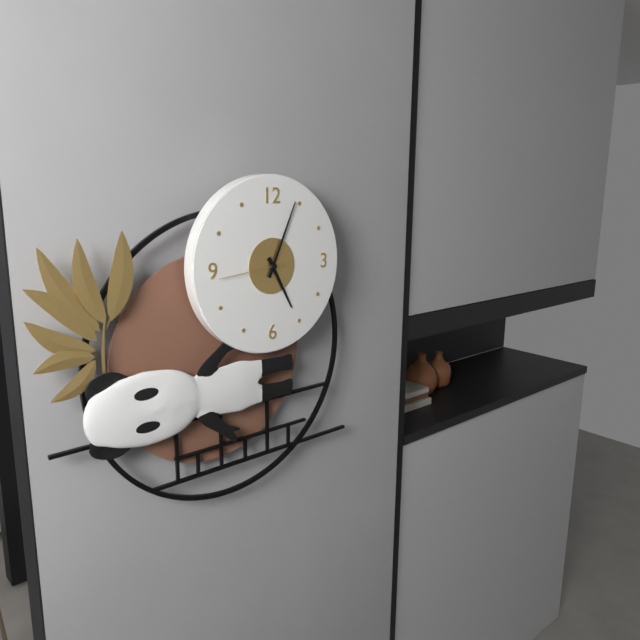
5:04:44
